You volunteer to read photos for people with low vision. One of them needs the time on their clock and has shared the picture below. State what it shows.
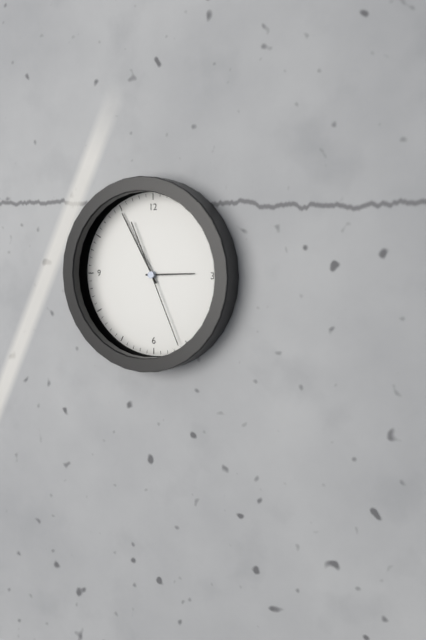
2:55:26
